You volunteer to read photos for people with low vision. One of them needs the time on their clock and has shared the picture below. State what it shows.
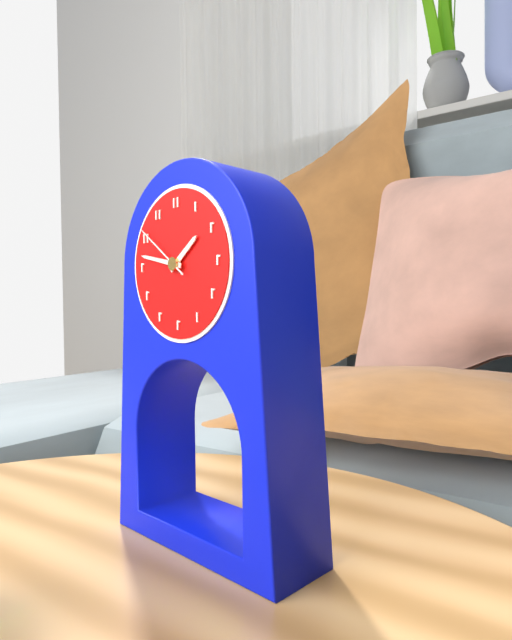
1:47:51
